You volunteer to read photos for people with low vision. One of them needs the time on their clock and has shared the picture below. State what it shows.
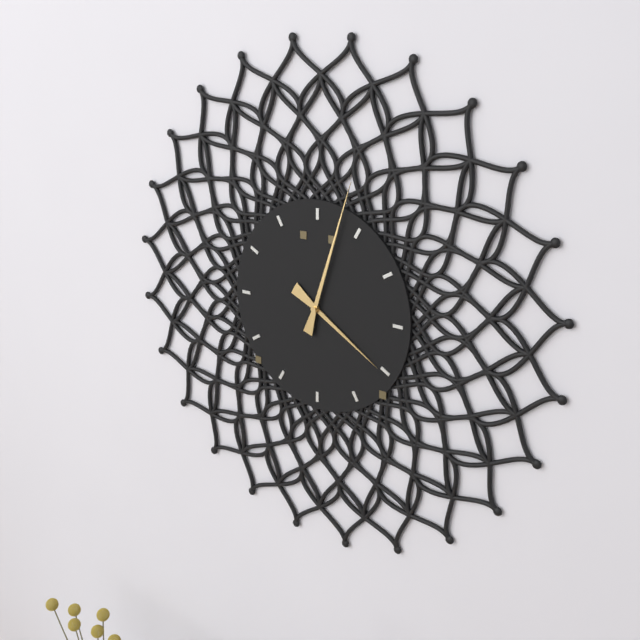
4:03
